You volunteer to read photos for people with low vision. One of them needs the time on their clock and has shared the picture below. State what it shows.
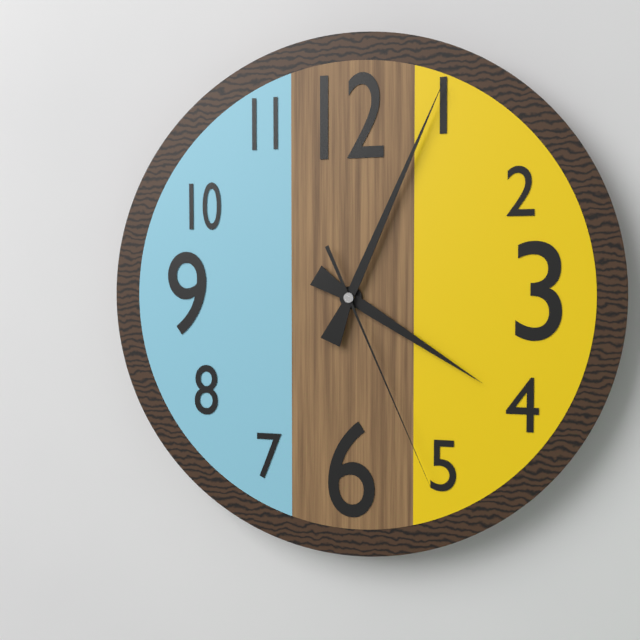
4:04:26
